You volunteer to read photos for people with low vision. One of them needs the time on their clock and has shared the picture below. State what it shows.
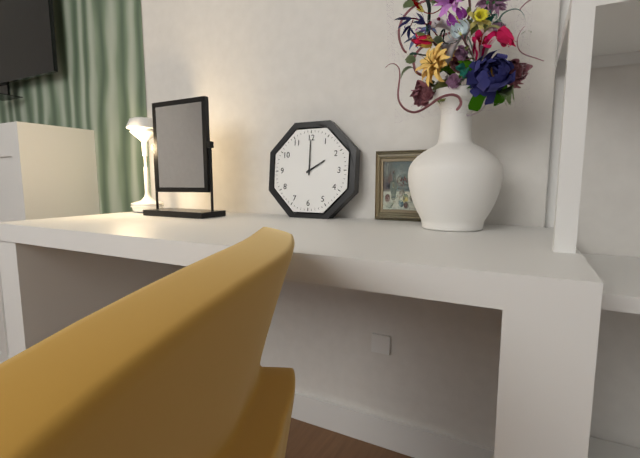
2:00
